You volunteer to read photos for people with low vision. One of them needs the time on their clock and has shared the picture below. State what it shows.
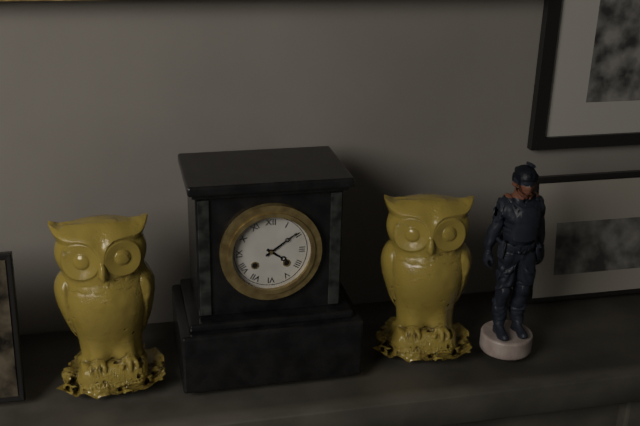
4:09
